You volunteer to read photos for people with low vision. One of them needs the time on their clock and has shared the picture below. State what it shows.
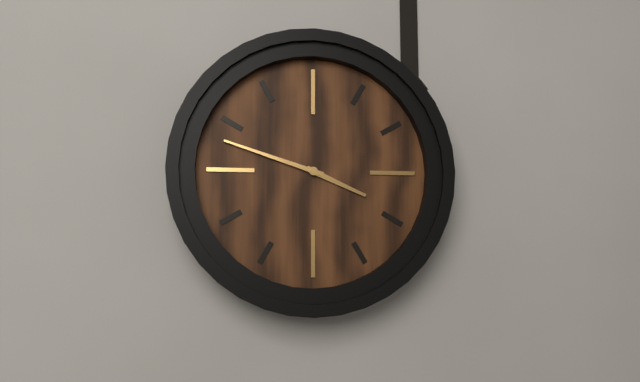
3:48
